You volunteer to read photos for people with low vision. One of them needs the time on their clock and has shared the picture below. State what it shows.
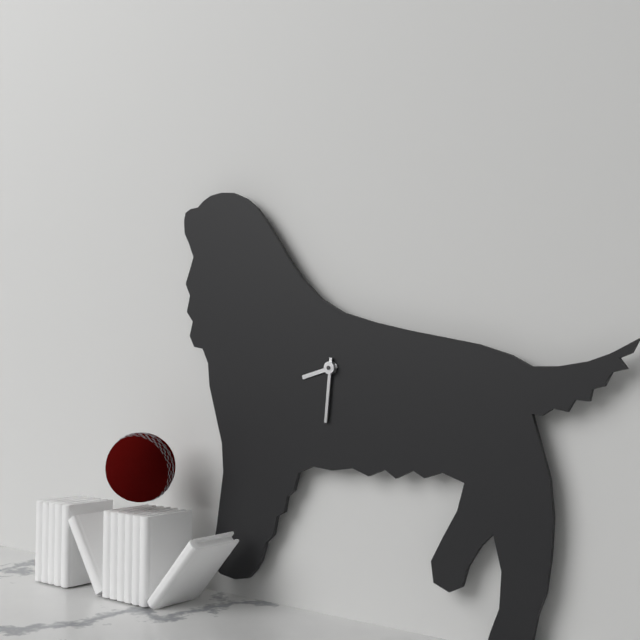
8:31
